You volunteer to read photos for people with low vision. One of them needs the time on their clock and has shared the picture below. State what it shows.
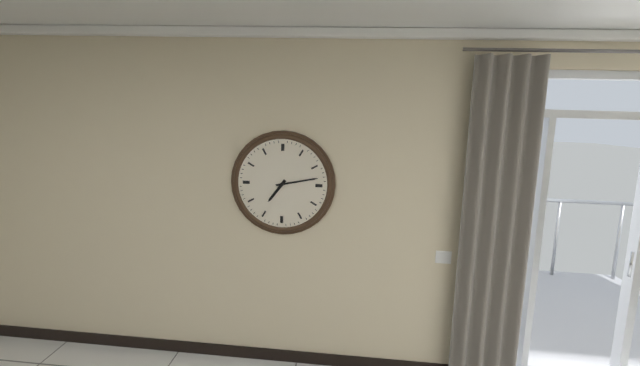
7:13
